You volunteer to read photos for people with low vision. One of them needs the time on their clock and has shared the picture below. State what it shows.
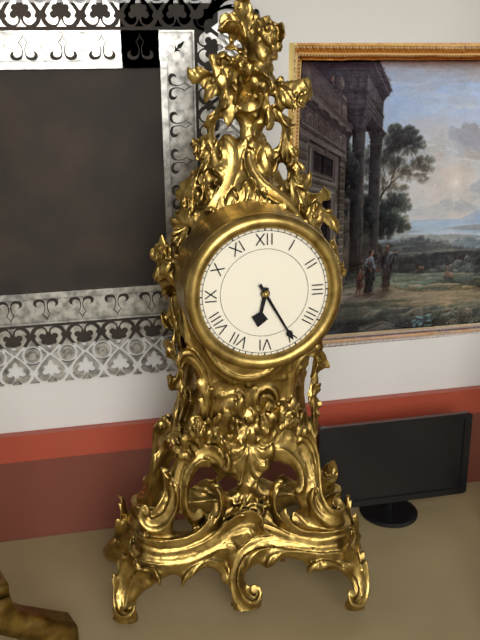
6:25
